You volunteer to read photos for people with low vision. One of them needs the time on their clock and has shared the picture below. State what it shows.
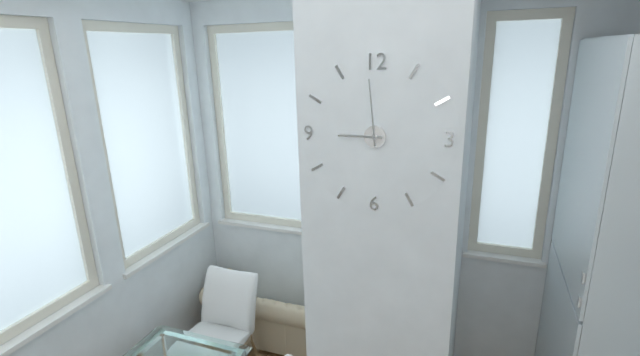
8:59
